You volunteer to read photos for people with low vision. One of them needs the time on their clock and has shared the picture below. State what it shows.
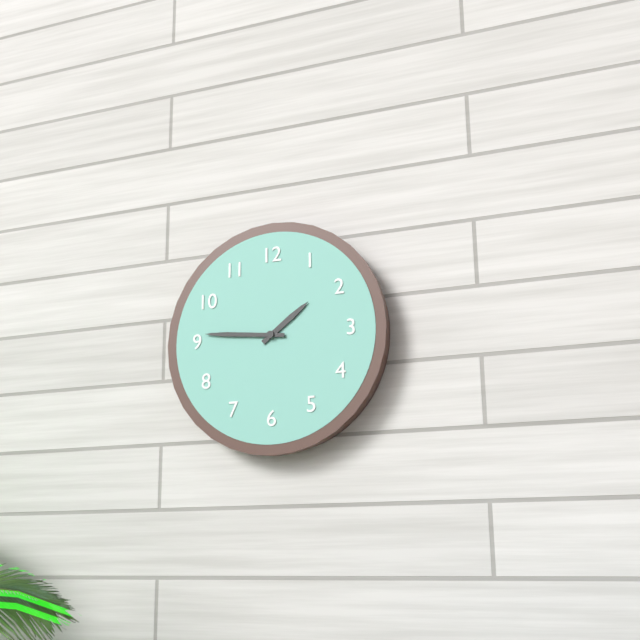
1:46
